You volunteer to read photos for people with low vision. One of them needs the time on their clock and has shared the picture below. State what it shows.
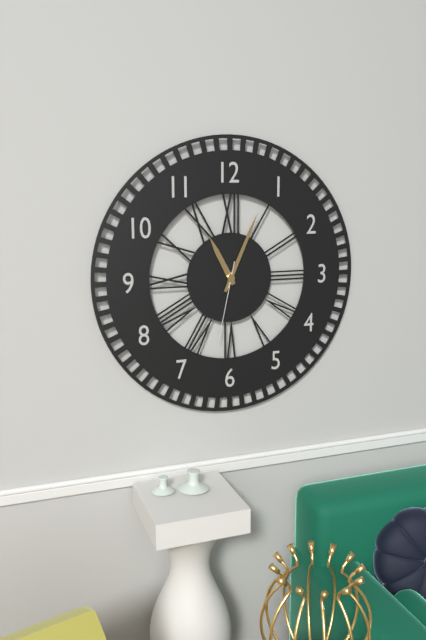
11:04:32
